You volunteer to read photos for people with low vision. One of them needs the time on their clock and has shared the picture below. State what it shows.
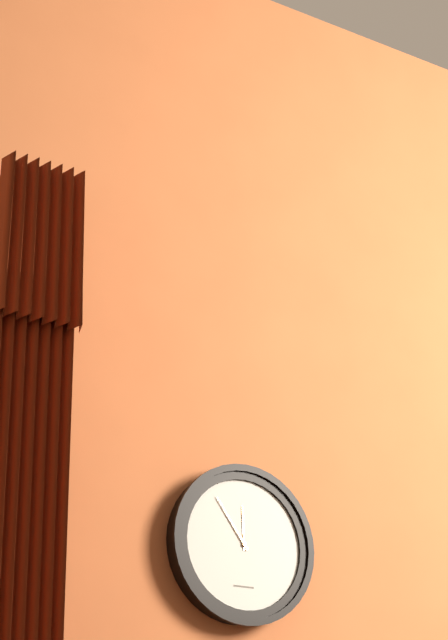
11:54
